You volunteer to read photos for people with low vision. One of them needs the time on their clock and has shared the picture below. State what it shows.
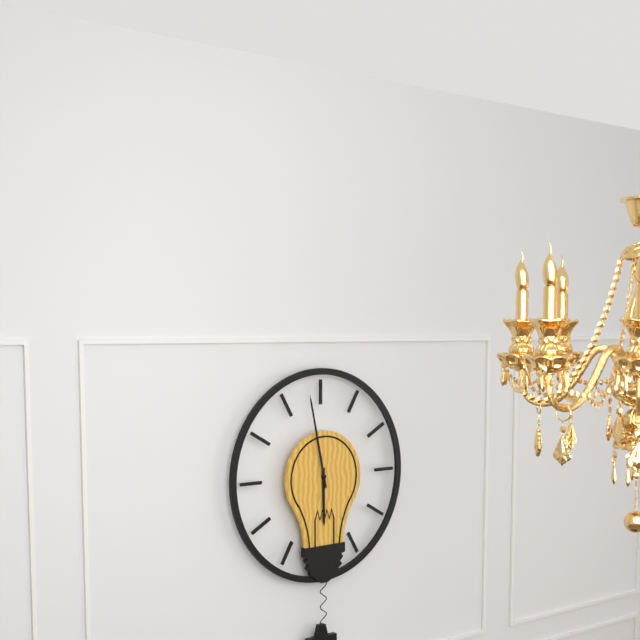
5:58
